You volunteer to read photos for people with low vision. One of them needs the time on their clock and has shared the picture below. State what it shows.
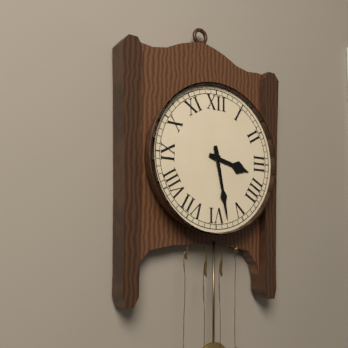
3:28
